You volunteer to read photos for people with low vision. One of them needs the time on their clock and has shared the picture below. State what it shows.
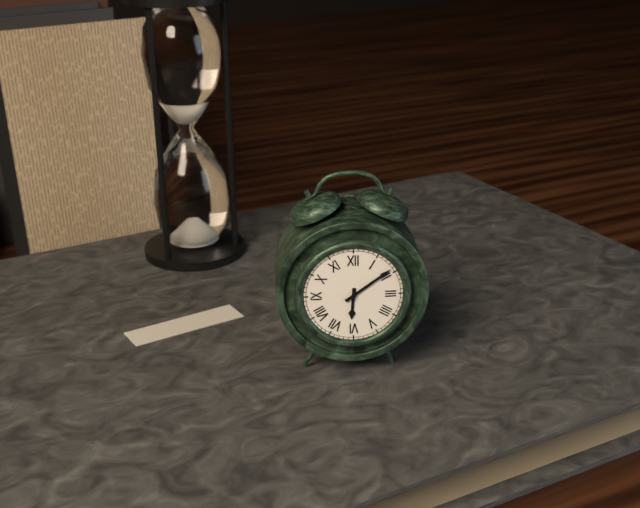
6:09
